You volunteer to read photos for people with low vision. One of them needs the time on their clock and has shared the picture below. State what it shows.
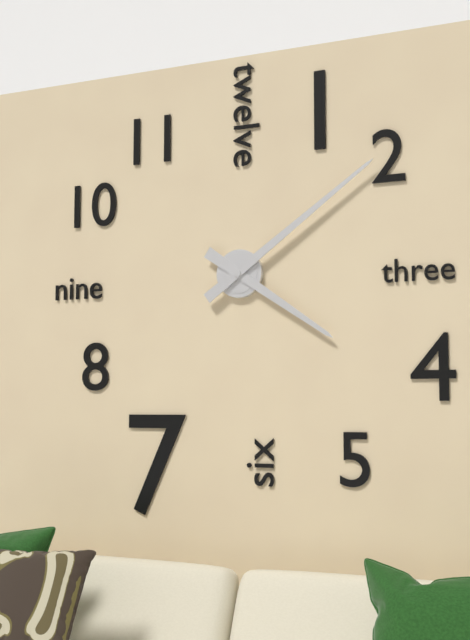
4:09
